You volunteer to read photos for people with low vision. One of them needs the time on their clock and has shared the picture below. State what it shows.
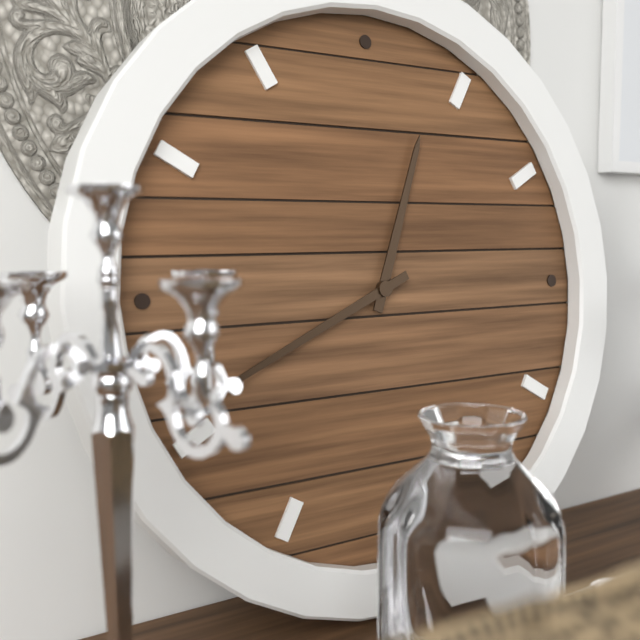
12:41
